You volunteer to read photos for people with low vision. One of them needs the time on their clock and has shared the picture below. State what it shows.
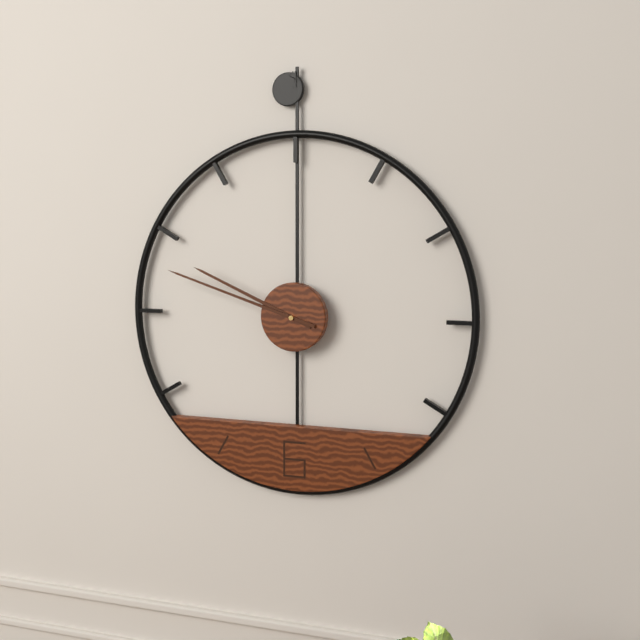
9:48
